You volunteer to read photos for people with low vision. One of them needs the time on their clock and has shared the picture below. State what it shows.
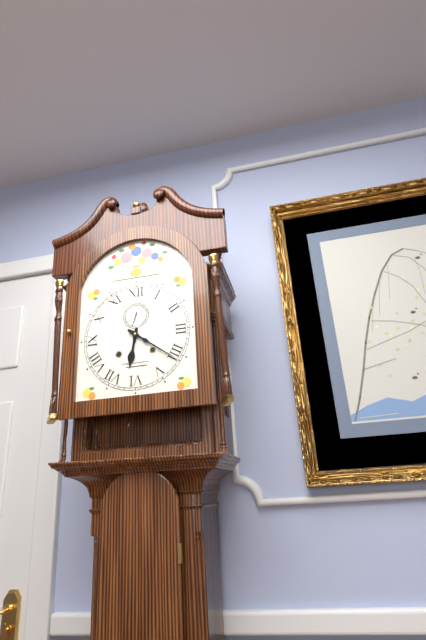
6:21
